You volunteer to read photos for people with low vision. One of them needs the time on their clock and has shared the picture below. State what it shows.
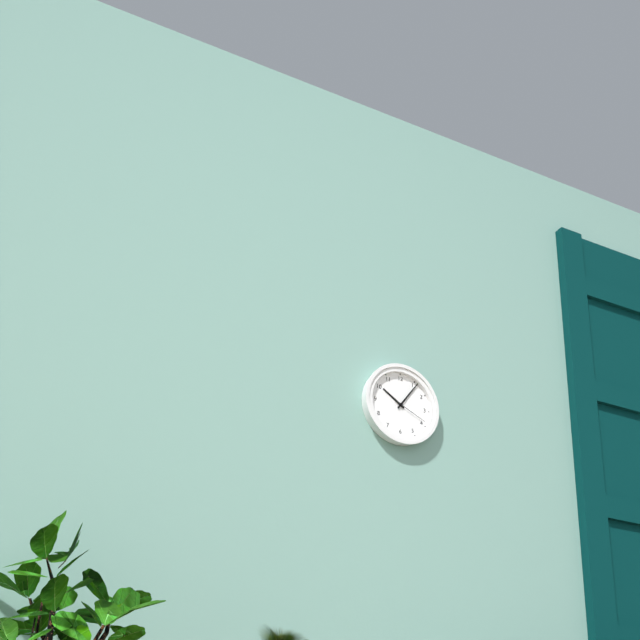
10:06
